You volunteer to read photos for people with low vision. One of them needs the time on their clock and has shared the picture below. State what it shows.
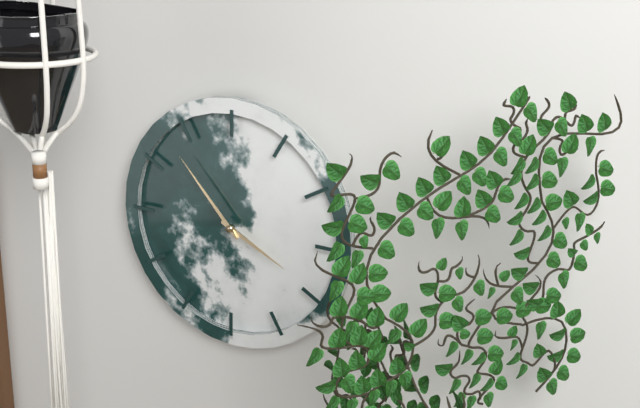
3:53
